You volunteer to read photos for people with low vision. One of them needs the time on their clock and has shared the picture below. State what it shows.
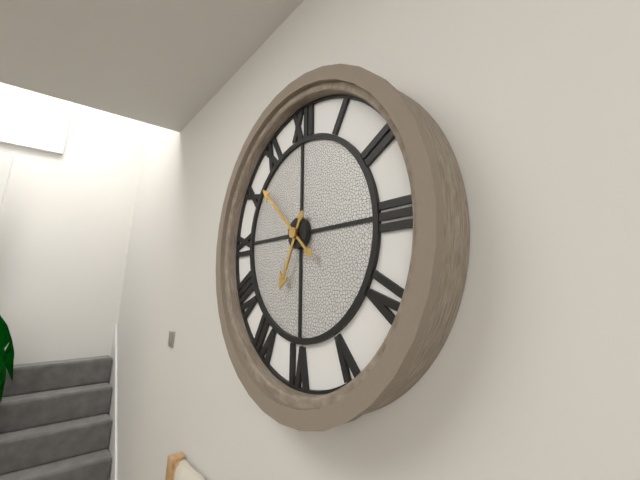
6:52
